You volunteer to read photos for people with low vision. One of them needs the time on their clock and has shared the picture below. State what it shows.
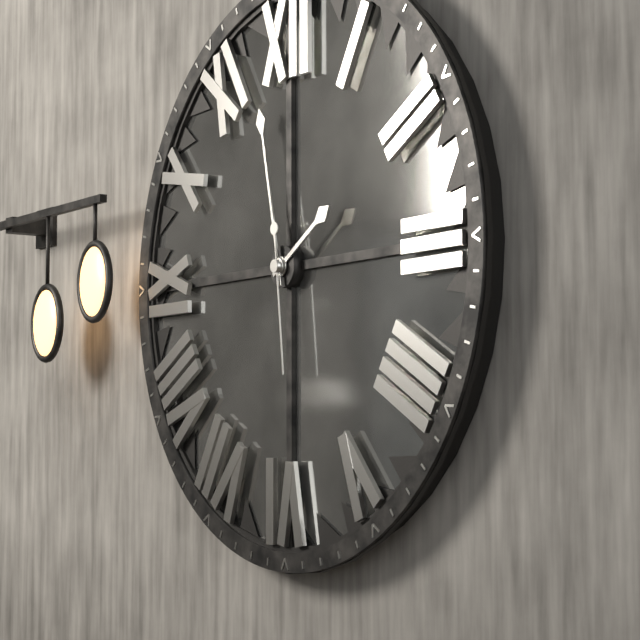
1:58:29
